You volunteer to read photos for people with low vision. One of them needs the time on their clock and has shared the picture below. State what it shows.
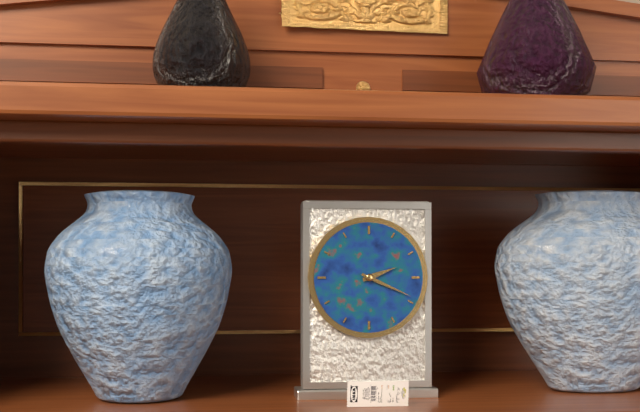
2:19
